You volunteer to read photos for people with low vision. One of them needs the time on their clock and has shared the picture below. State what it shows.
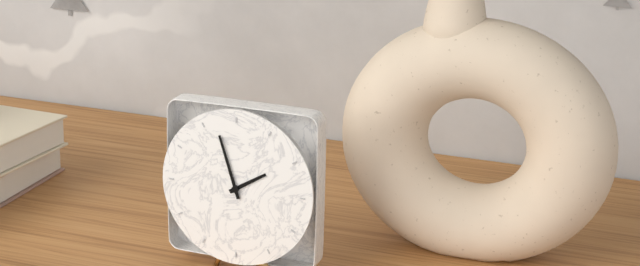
1:57
